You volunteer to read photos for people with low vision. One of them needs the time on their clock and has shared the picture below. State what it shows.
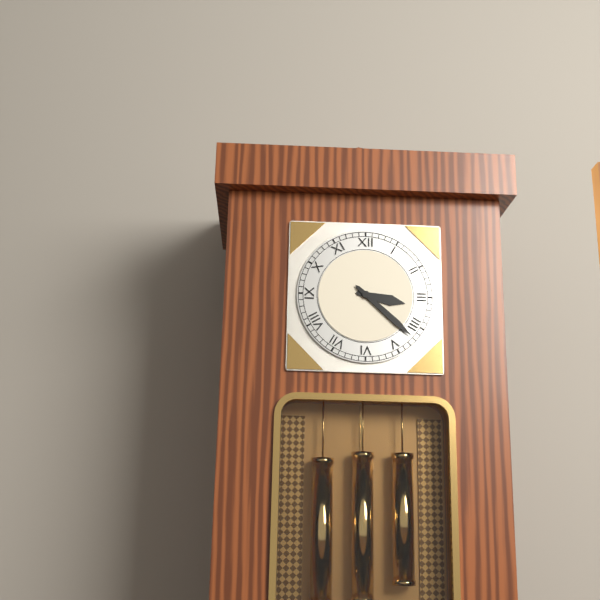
3:22
